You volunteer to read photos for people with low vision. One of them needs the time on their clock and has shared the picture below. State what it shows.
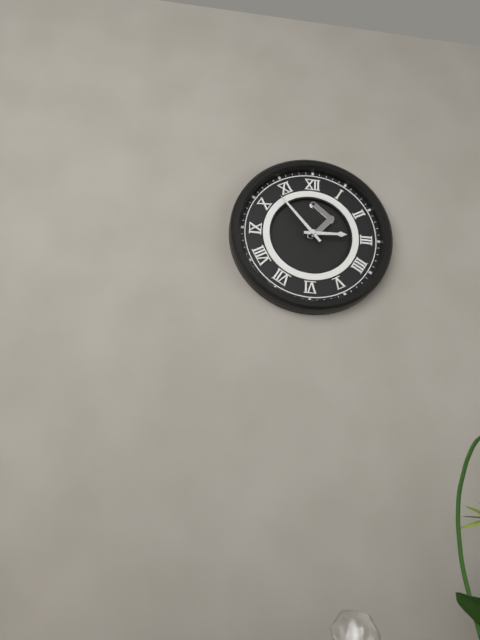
2:53
